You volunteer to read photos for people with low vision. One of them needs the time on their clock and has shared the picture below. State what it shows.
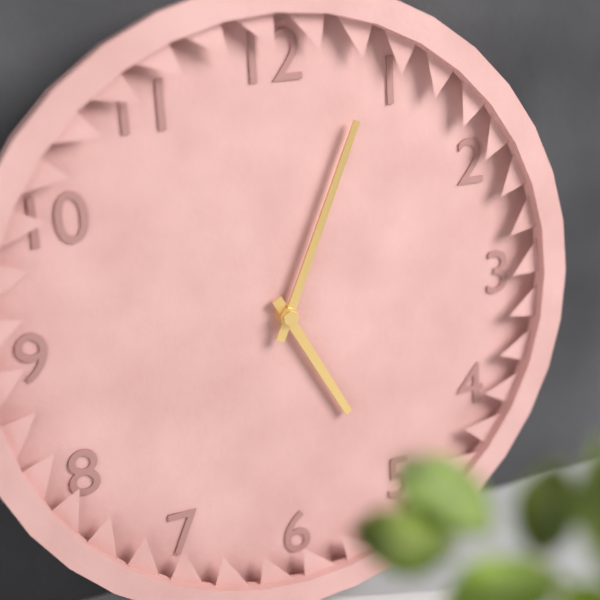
5:04
